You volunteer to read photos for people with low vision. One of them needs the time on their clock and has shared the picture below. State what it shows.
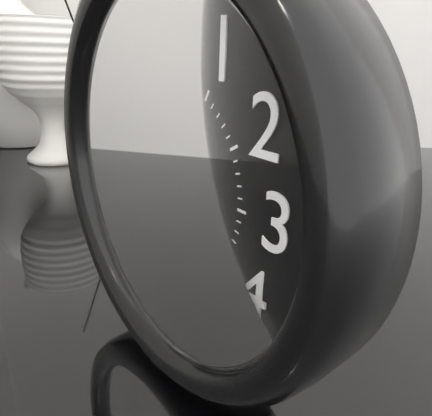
4:34:49
